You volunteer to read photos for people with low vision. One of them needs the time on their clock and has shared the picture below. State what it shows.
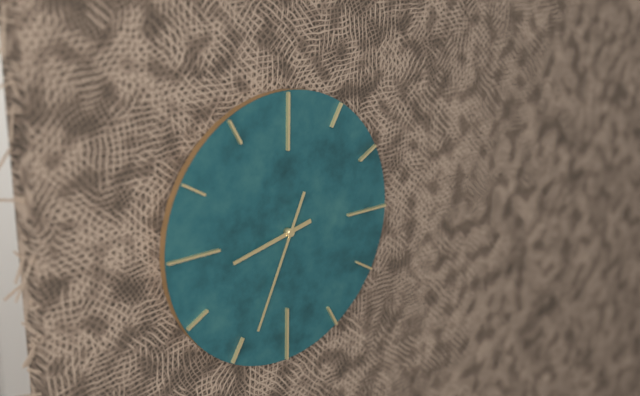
8:34
